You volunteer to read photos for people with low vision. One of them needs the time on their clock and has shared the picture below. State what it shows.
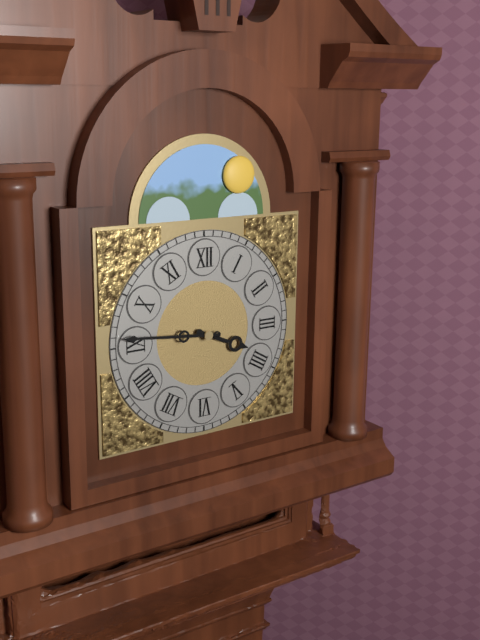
3:46
